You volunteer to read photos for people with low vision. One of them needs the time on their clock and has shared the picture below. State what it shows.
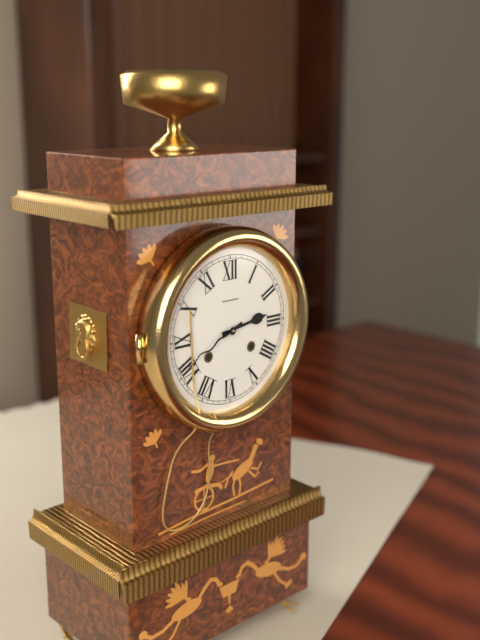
2:41
